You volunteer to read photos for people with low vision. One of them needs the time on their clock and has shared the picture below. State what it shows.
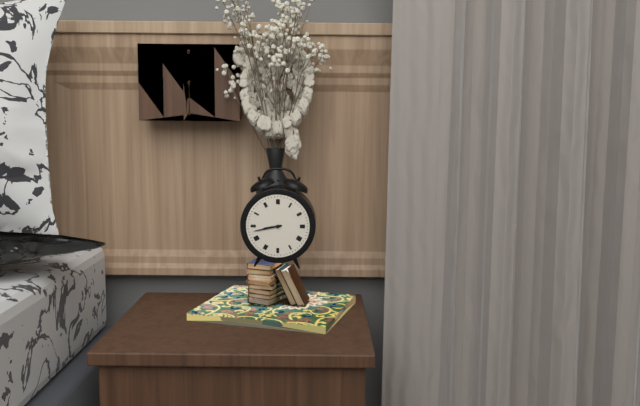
8:43
